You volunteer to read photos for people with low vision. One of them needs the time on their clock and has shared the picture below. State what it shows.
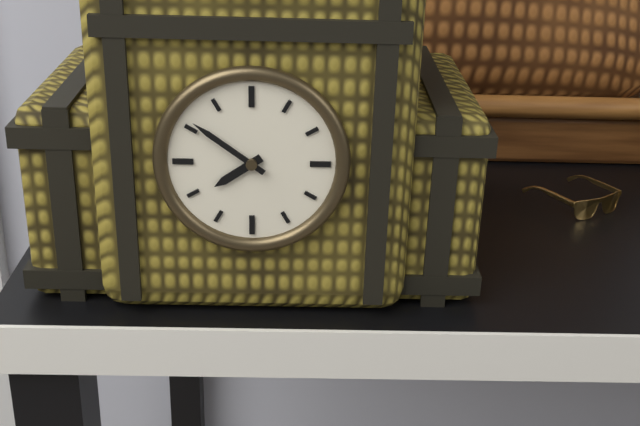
7:51
